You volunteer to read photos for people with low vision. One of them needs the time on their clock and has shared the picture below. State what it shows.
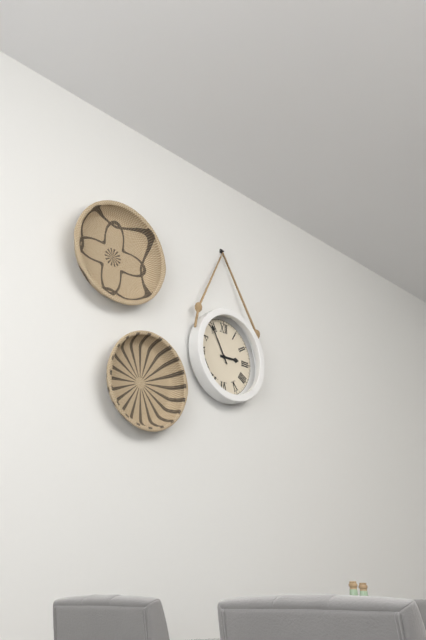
2:55
